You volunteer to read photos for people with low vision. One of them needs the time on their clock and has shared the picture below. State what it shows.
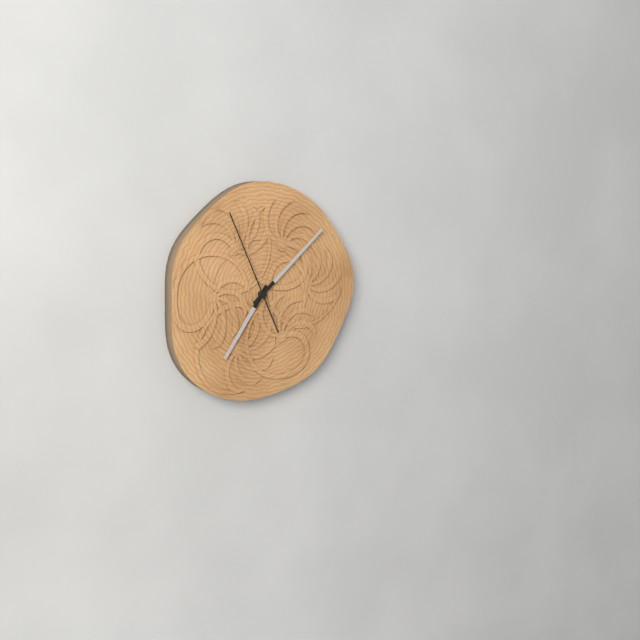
7:08:56
